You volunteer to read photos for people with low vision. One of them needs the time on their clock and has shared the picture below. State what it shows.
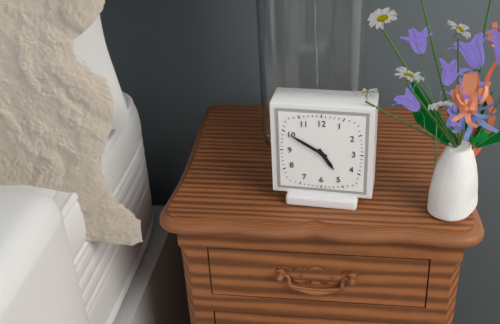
4:50
